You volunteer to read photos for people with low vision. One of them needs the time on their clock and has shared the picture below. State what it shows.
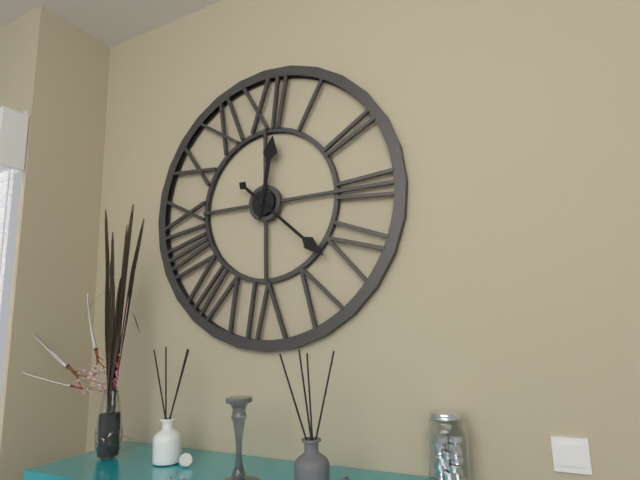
12:22
